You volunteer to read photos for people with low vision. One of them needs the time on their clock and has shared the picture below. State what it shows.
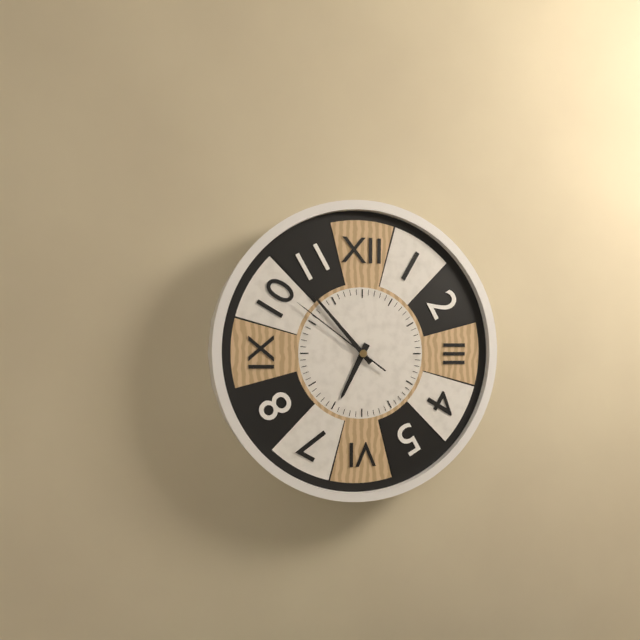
6:53:51
